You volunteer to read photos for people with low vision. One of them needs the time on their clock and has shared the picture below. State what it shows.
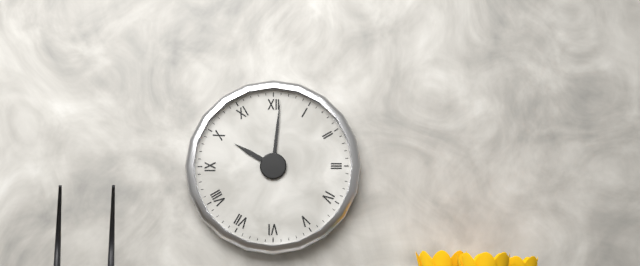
10:01
